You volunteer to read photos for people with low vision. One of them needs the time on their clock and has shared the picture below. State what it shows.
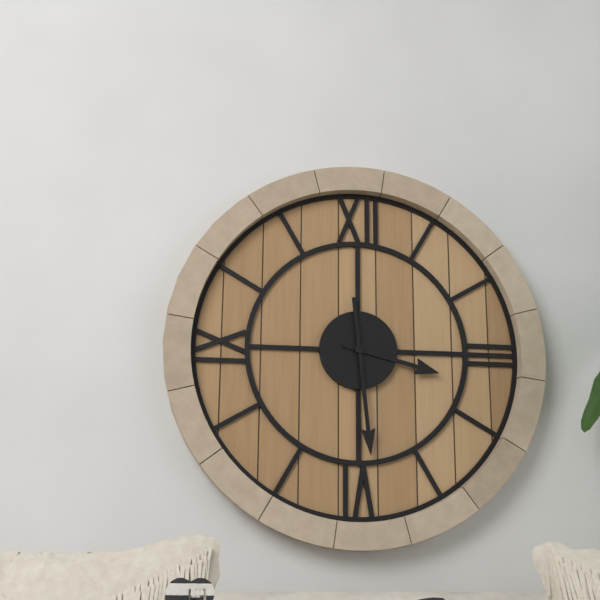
3:29
